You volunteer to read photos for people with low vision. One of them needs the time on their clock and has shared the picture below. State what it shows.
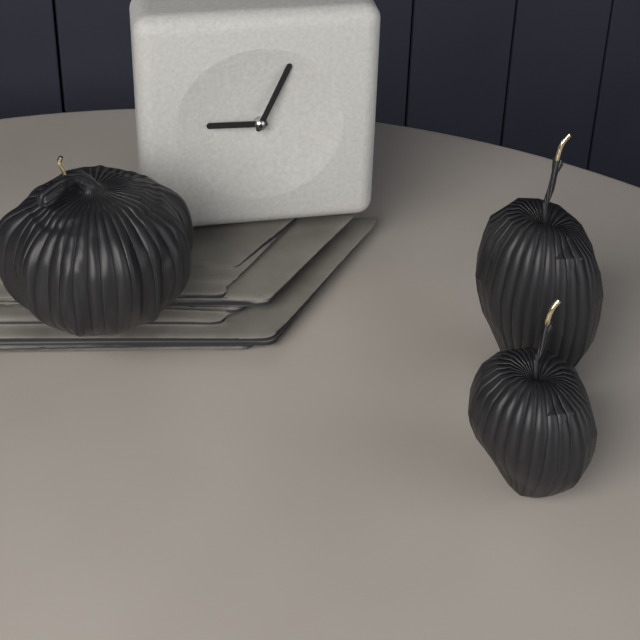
9:04
